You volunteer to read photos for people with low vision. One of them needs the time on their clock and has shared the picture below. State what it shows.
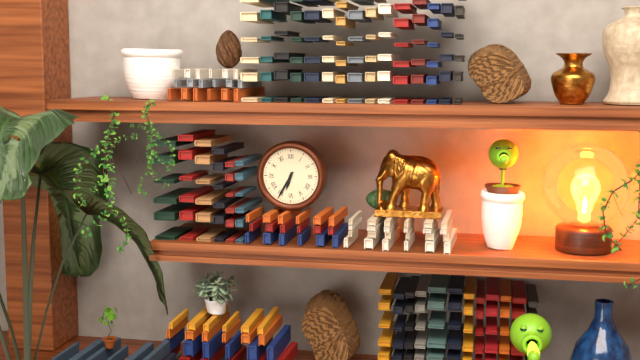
6:35
